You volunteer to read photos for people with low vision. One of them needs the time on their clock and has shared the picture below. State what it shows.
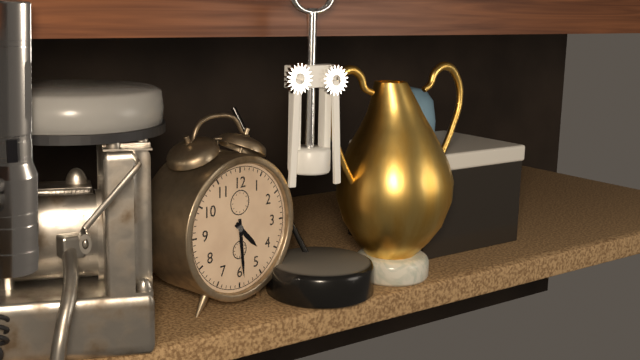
4:29
